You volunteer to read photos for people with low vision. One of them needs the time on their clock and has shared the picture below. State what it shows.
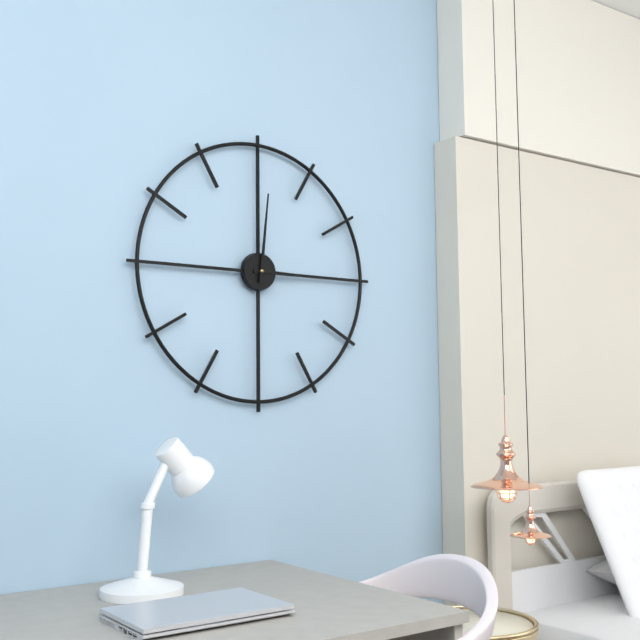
3:01
